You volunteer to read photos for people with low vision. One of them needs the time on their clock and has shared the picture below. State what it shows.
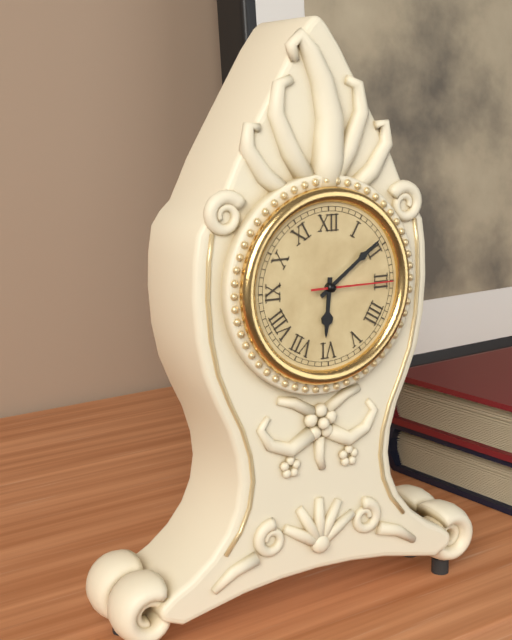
6:09:15
